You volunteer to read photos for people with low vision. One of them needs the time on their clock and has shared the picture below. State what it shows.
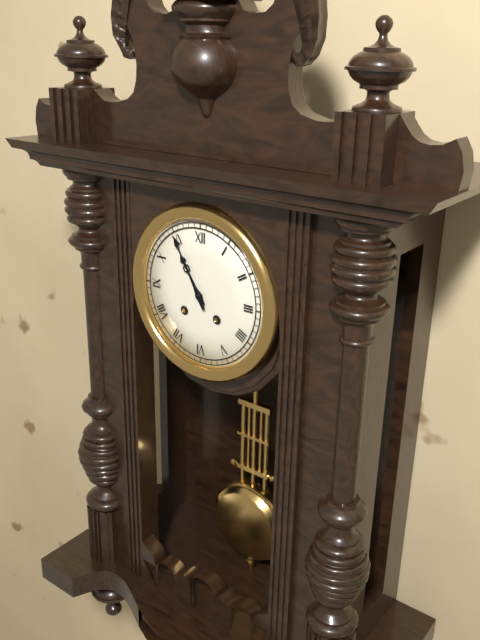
10:55
